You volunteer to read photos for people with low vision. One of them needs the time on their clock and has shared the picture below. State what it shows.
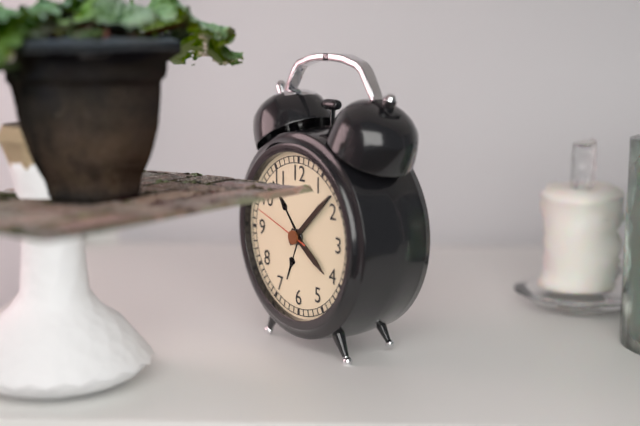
4:08:48
